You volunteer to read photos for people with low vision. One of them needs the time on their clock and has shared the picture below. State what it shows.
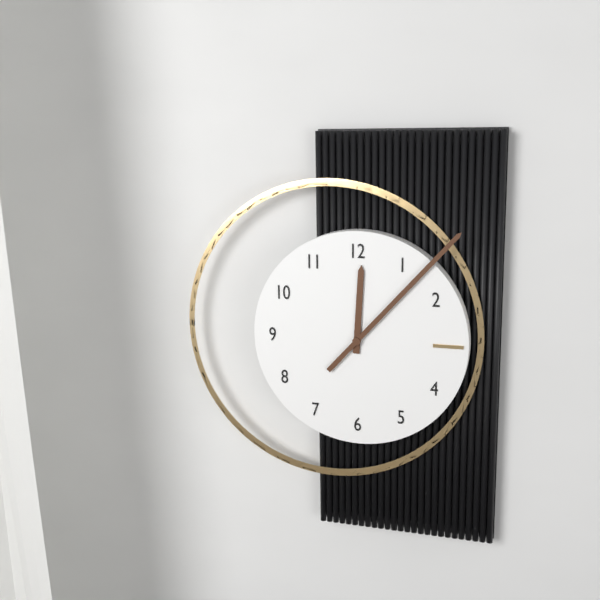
12:07
